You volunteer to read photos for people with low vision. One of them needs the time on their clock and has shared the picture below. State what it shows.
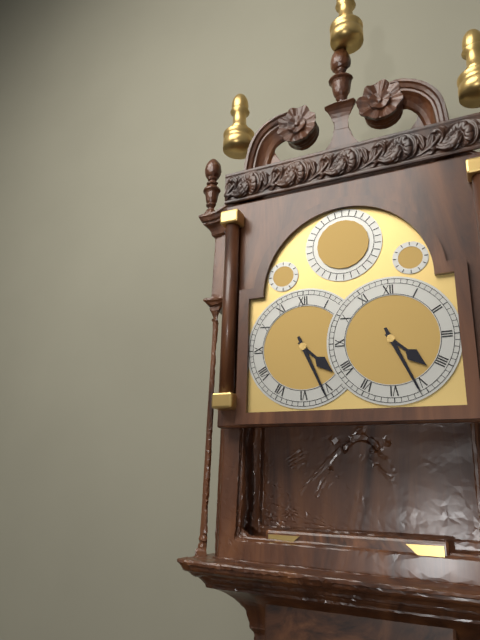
4:26
